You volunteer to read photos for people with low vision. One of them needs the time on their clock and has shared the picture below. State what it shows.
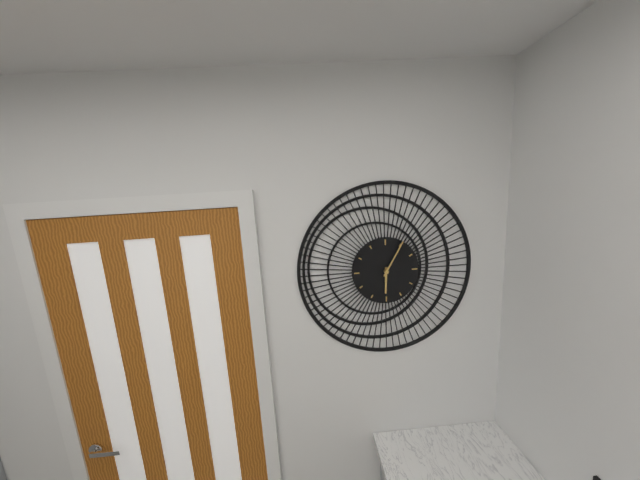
6:05
